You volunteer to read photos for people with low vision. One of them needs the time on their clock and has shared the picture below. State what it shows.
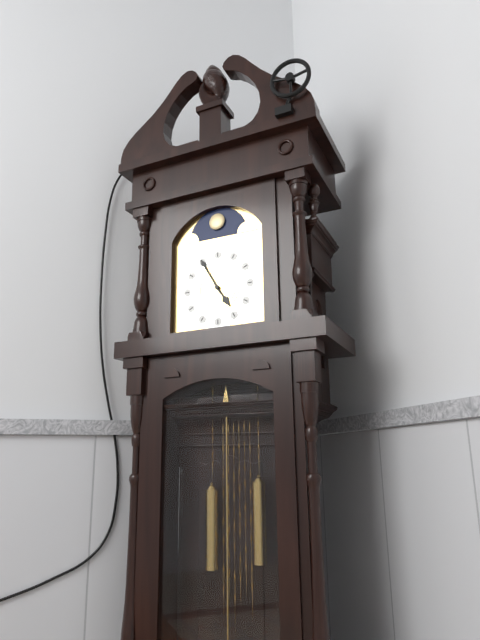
4:55
